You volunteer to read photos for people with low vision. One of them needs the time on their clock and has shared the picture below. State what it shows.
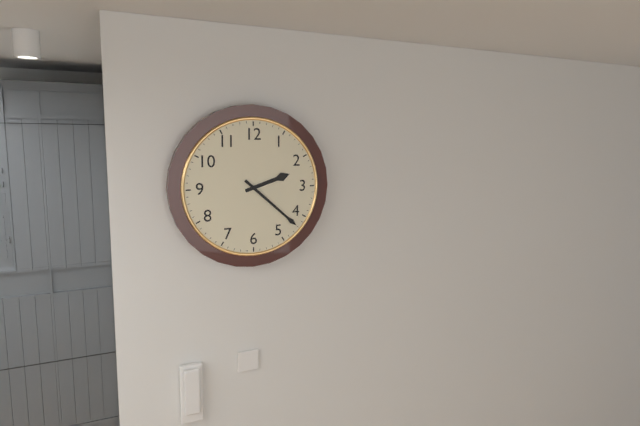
2:22
